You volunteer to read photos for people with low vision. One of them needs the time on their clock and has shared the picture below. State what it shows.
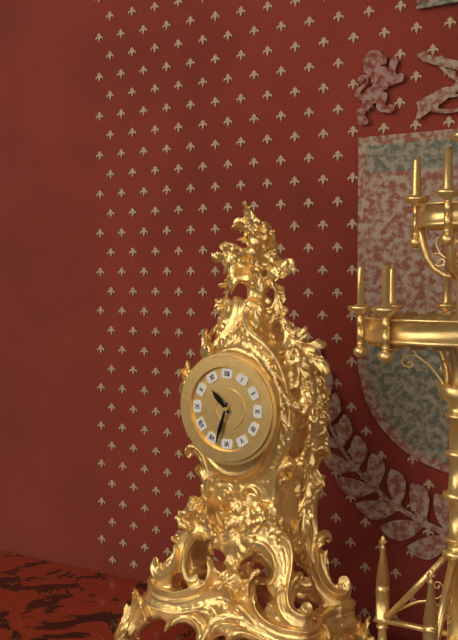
10:33
